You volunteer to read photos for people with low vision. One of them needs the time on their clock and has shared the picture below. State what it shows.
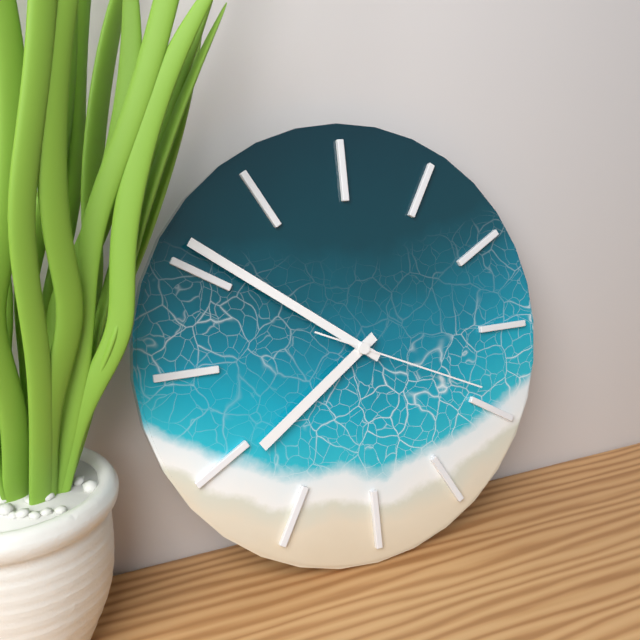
7:51:19
